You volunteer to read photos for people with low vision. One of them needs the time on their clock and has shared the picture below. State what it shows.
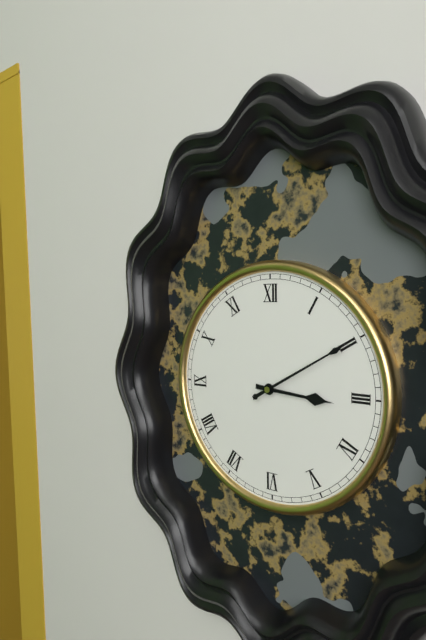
3:10
